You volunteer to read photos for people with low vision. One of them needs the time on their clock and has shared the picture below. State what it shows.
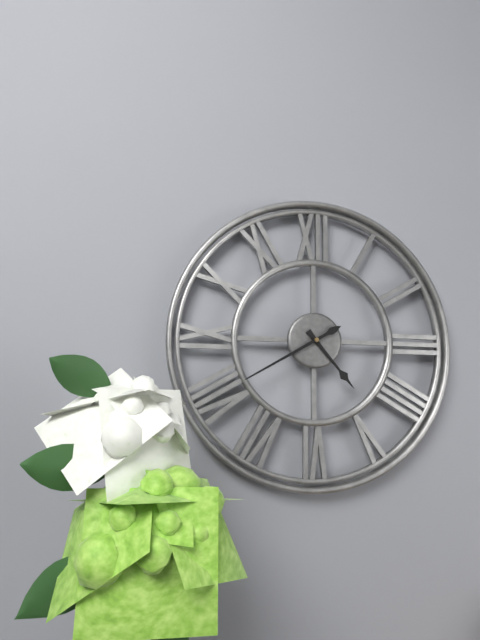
4:40
